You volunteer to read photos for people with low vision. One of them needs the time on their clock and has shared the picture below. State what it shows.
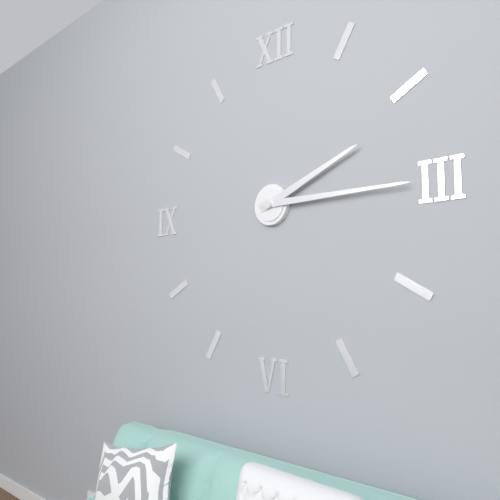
2:15
